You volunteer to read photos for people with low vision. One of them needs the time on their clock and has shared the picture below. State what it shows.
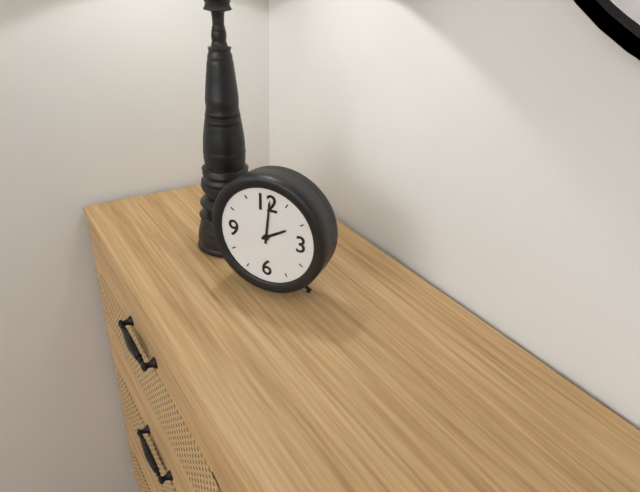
2:01
